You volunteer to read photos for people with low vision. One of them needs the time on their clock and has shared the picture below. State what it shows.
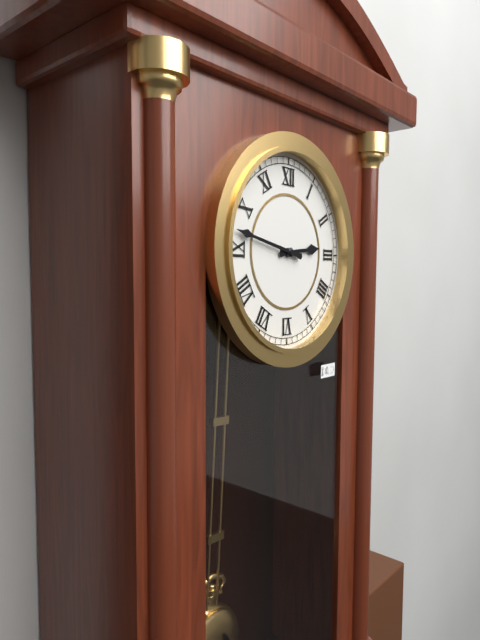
2:47
